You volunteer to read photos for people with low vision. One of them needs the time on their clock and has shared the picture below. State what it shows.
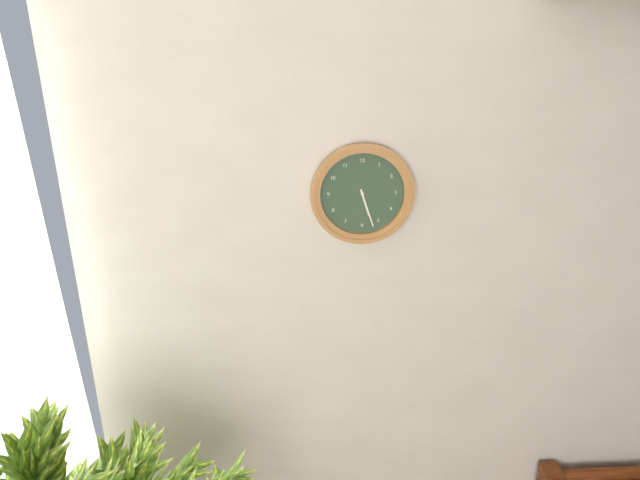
5:27
